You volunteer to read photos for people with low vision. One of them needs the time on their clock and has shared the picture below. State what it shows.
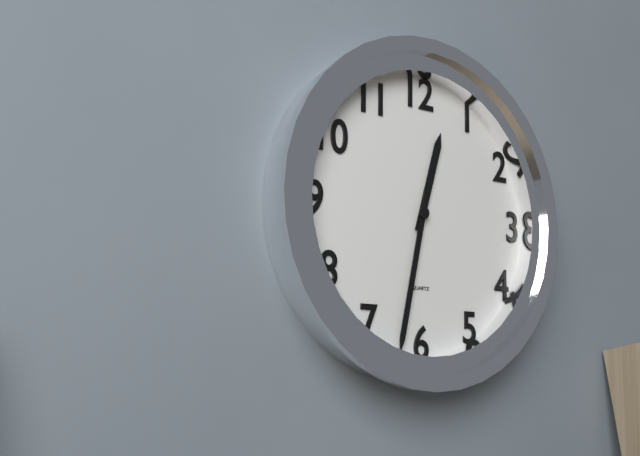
12:32
